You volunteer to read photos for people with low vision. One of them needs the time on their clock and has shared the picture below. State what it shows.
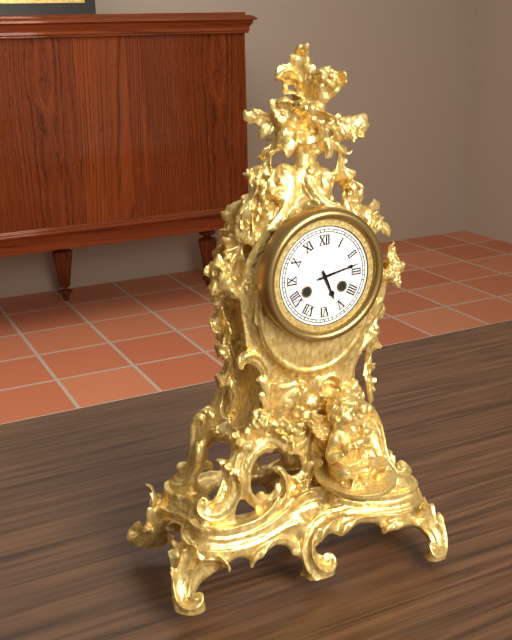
5:13
